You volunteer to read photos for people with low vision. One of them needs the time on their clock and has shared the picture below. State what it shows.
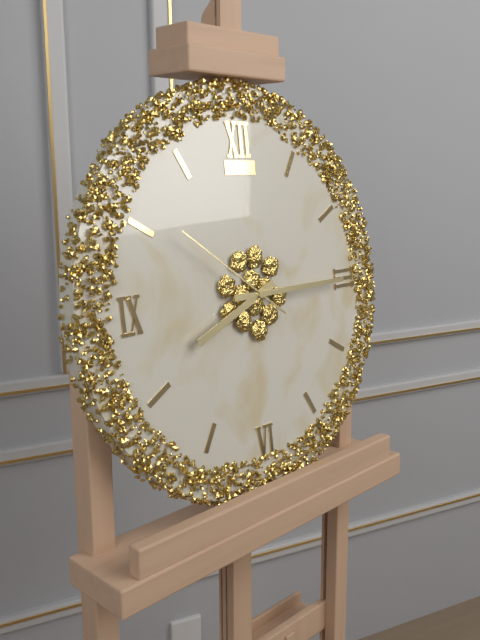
8:15:51
